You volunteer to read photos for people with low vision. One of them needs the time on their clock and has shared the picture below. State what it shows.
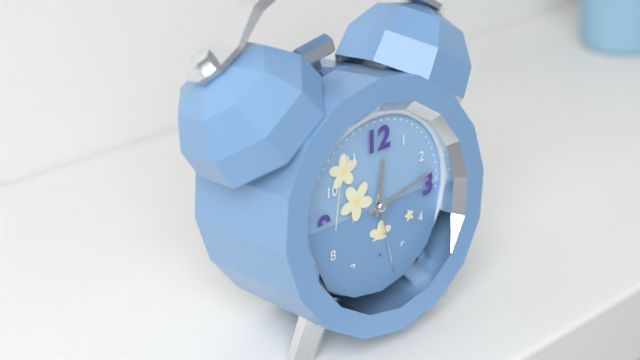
12:13:28
